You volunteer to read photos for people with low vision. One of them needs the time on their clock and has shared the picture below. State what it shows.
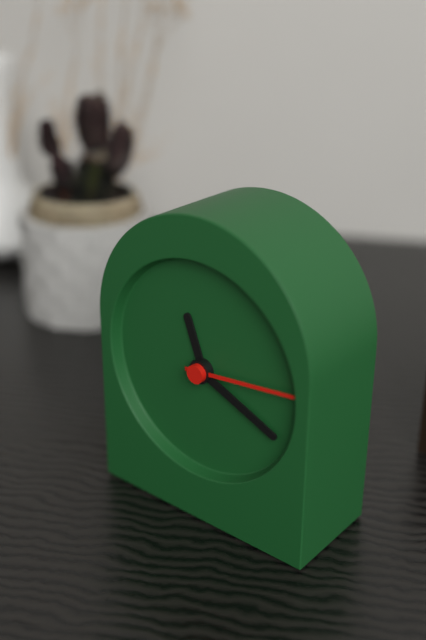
11:19:14
